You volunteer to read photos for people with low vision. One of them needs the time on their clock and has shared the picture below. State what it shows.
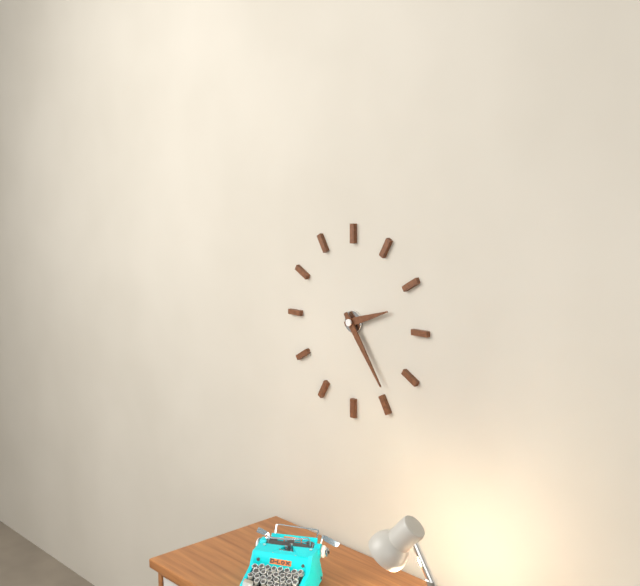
2:24
